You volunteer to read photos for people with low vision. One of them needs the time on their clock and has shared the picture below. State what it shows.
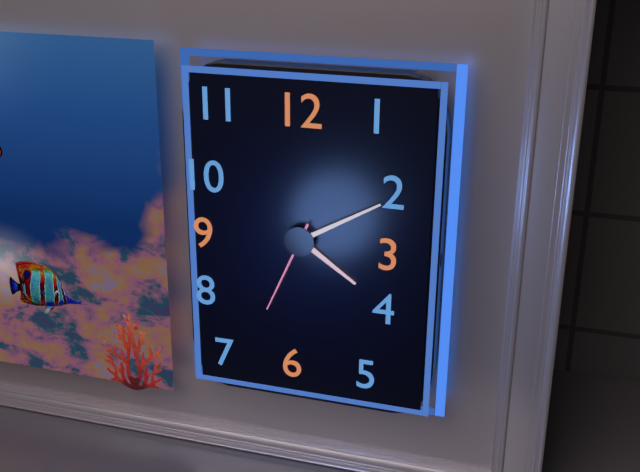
4:10:34
